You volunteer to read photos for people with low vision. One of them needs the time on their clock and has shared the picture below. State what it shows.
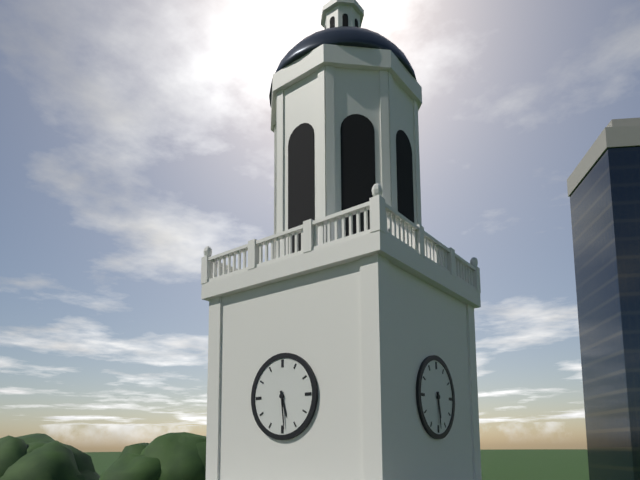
5:29
